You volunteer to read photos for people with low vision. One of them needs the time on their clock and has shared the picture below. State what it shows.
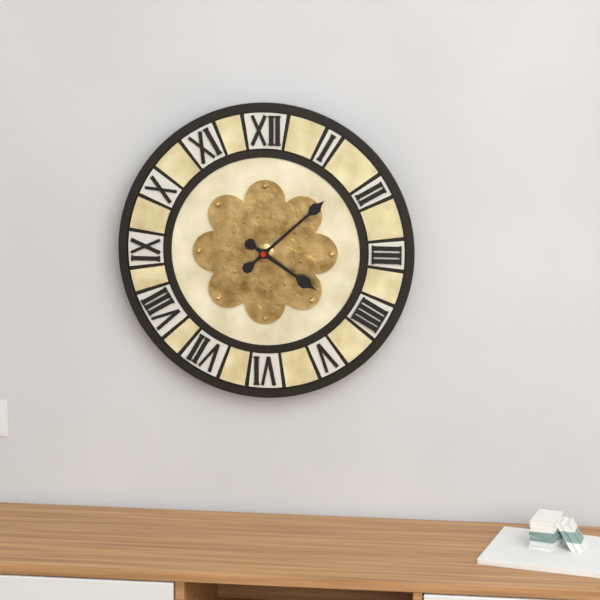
4:08
